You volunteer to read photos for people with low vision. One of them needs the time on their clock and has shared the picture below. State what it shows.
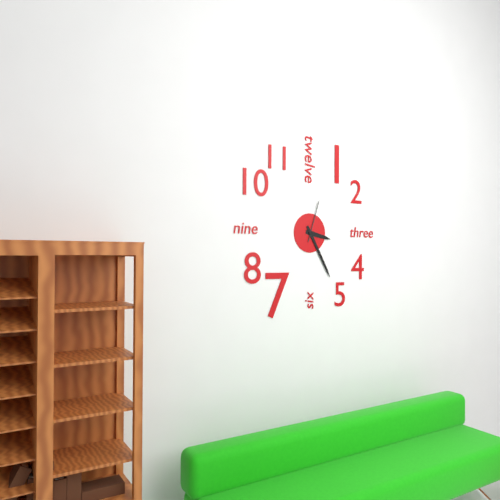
3:25
